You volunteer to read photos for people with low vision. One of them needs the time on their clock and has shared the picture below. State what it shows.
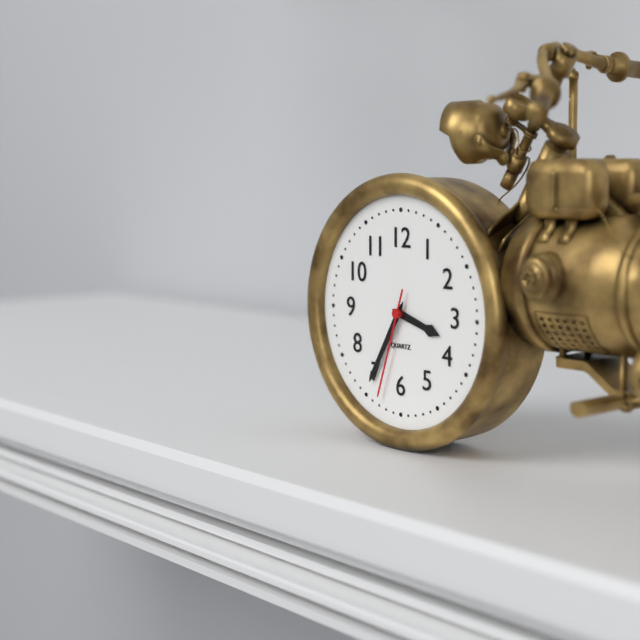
3:35:33
